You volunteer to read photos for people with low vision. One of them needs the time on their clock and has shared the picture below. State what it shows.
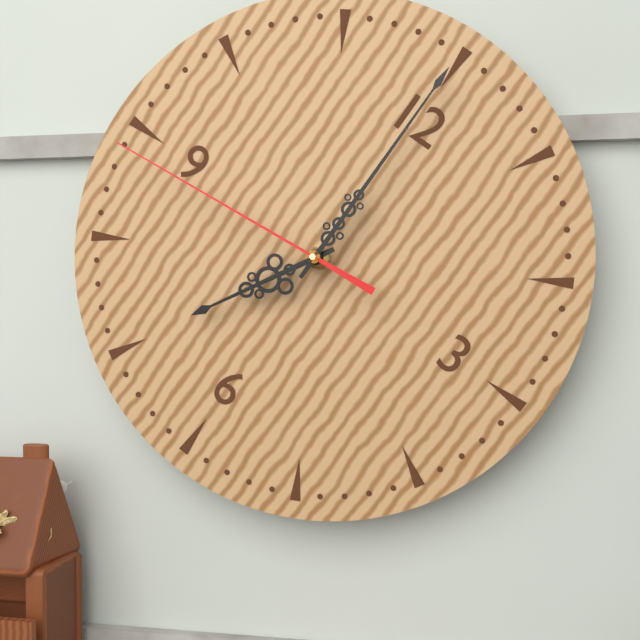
7:00:44
